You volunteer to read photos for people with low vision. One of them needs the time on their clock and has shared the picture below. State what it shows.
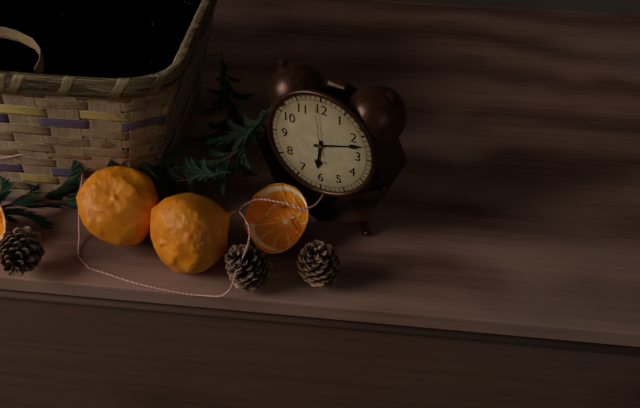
6:12:59
